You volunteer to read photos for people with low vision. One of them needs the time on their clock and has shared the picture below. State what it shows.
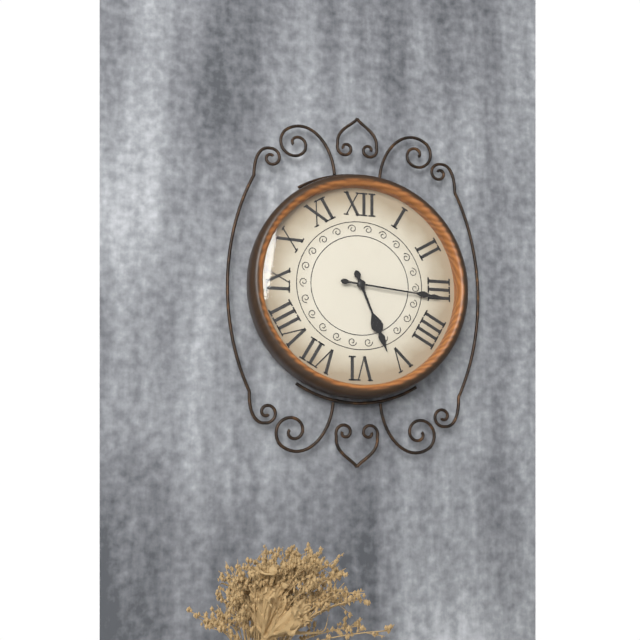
5:16
